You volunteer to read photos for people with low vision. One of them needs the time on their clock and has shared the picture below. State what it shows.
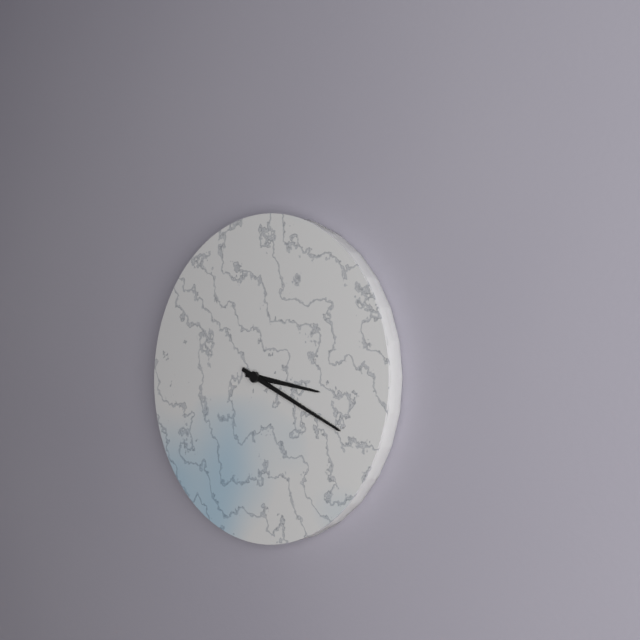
3:19
